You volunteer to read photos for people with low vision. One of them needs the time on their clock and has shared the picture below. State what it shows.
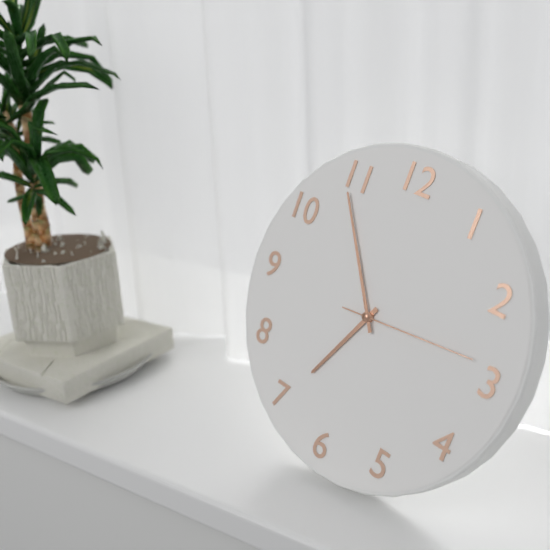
6:54:14
